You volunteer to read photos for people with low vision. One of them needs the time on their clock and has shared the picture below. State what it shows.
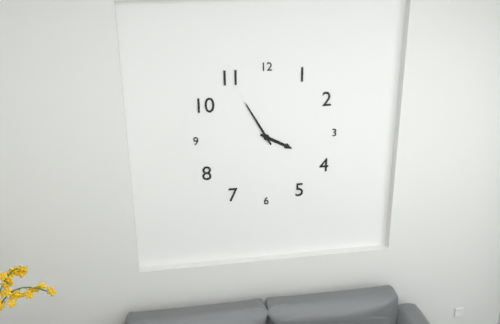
3:55
